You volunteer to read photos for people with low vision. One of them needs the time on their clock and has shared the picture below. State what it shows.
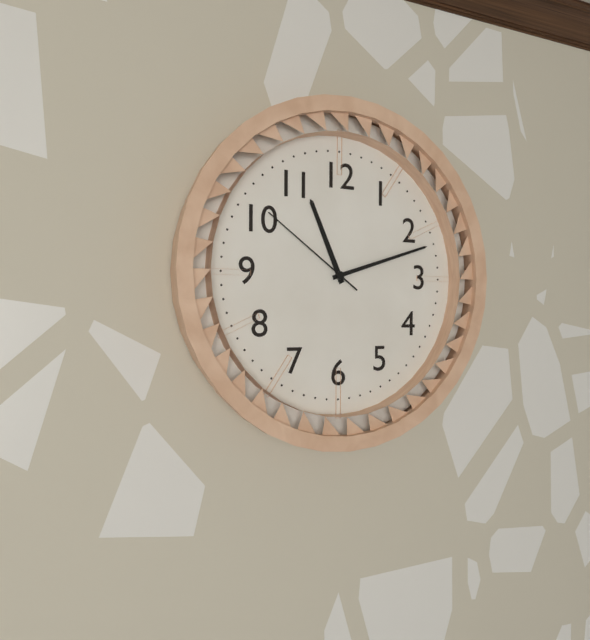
11:12:51
